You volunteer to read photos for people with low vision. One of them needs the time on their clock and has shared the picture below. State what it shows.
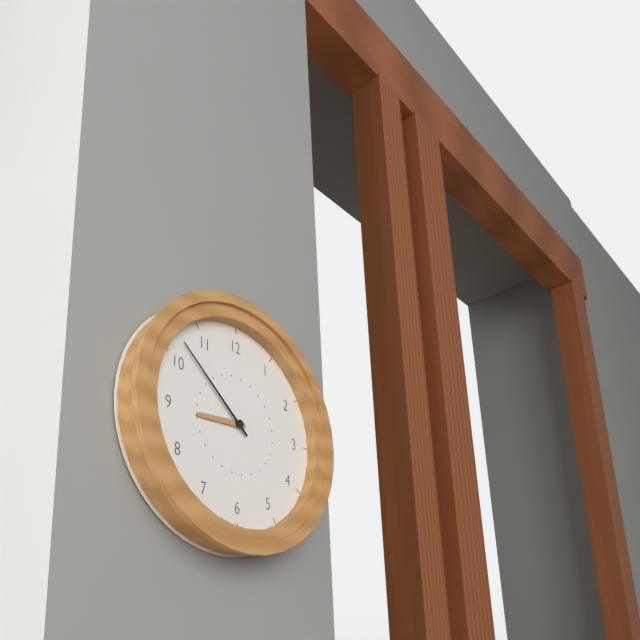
8:52
